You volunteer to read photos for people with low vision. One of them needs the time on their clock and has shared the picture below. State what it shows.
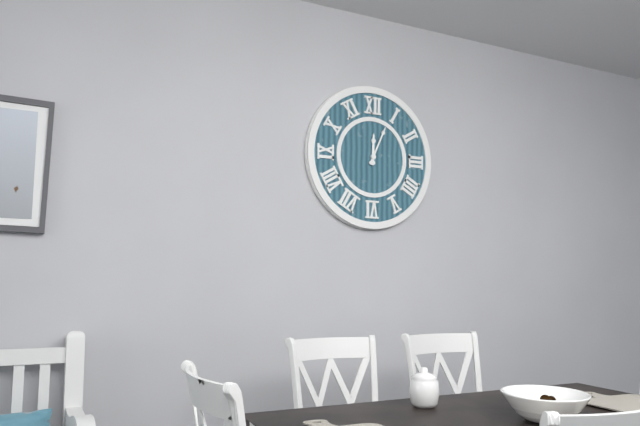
12:04
